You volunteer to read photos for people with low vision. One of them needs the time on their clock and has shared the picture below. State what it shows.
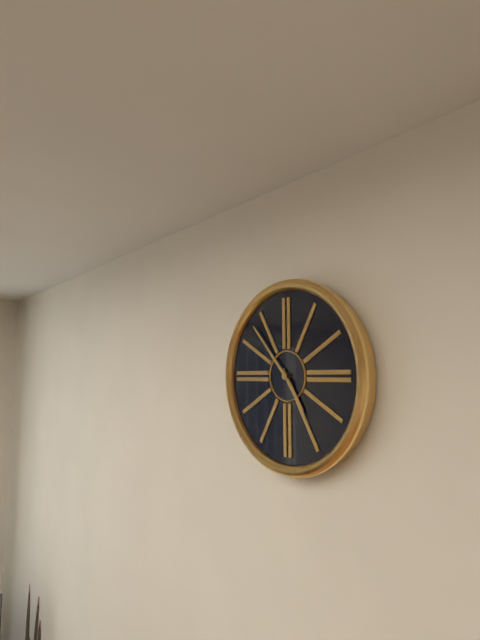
4:53
